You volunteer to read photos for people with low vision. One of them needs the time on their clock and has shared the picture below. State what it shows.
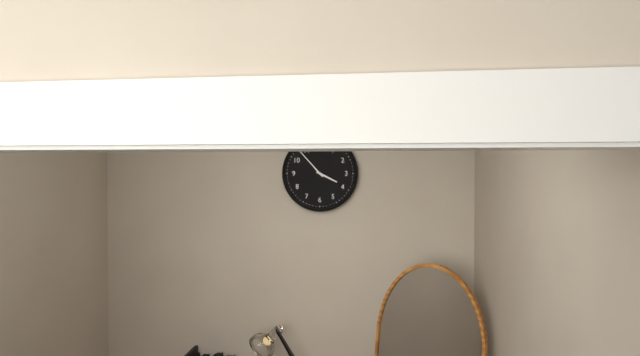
3:53
